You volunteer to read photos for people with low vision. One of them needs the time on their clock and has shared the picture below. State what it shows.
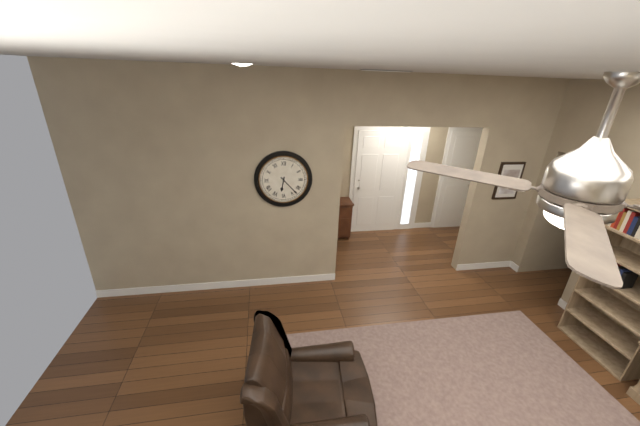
6:23
